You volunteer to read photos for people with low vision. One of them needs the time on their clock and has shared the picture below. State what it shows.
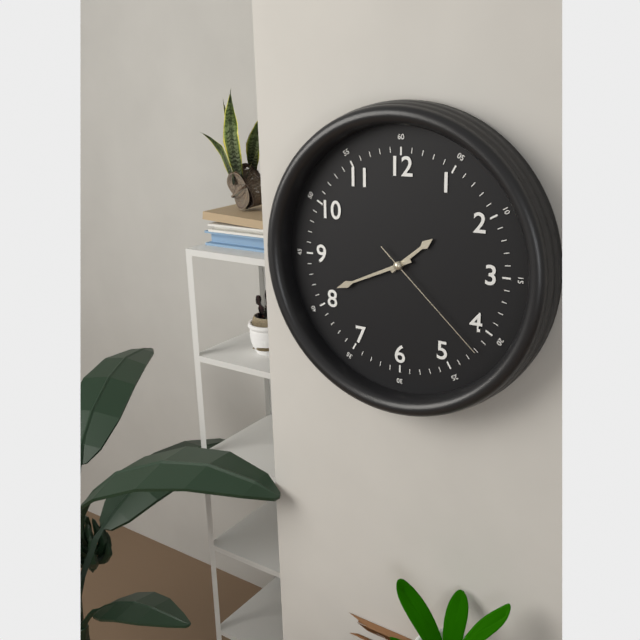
1:41:22
